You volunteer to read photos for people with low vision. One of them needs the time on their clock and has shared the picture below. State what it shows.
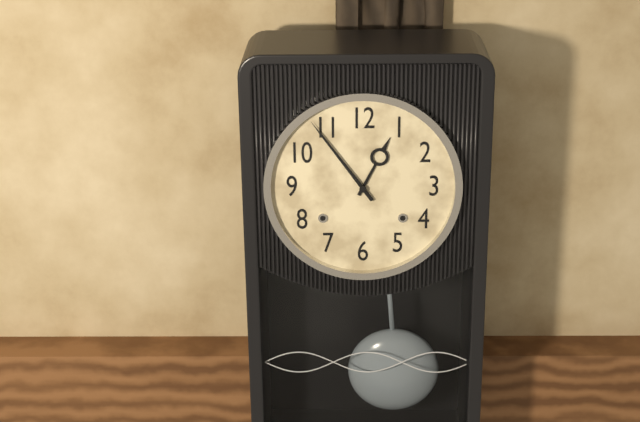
12:54
